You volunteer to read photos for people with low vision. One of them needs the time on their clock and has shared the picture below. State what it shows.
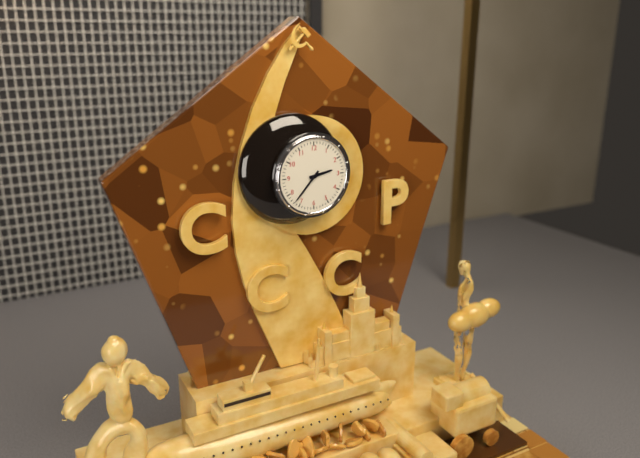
2:37
